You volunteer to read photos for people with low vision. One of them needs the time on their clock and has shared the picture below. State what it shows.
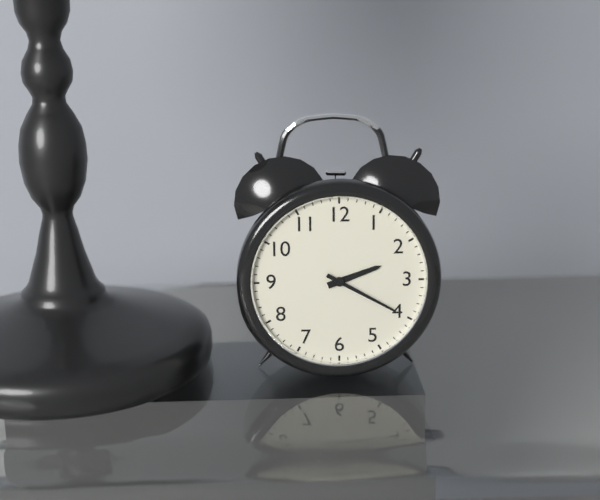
2:20
